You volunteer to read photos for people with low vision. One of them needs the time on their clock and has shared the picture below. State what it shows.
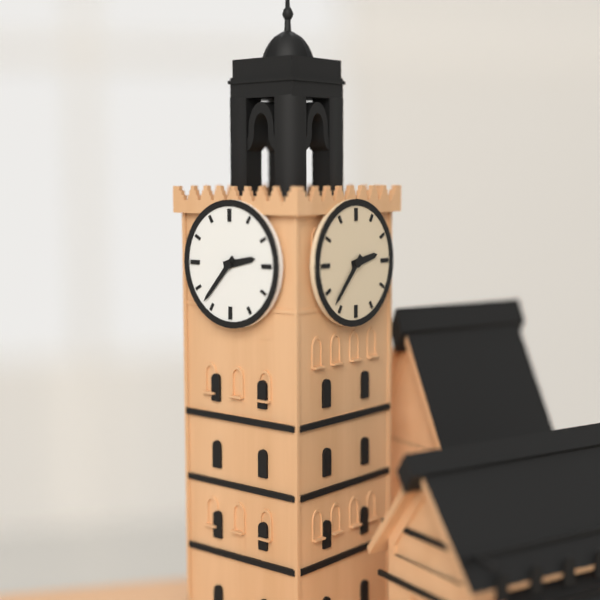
2:37
